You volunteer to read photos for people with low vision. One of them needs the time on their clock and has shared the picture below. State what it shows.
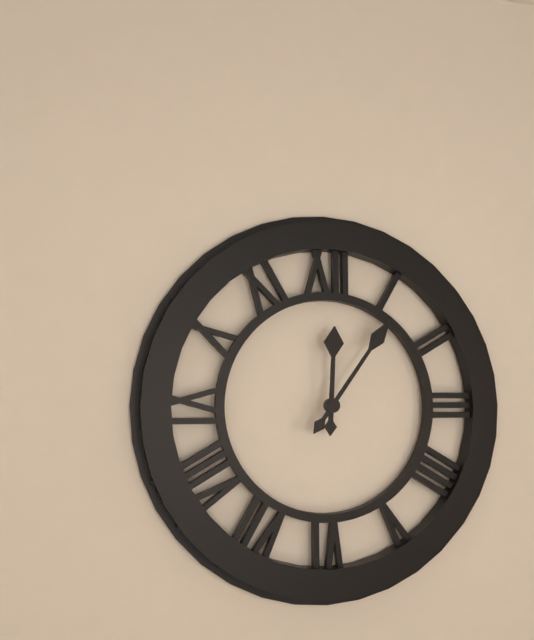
12:06
